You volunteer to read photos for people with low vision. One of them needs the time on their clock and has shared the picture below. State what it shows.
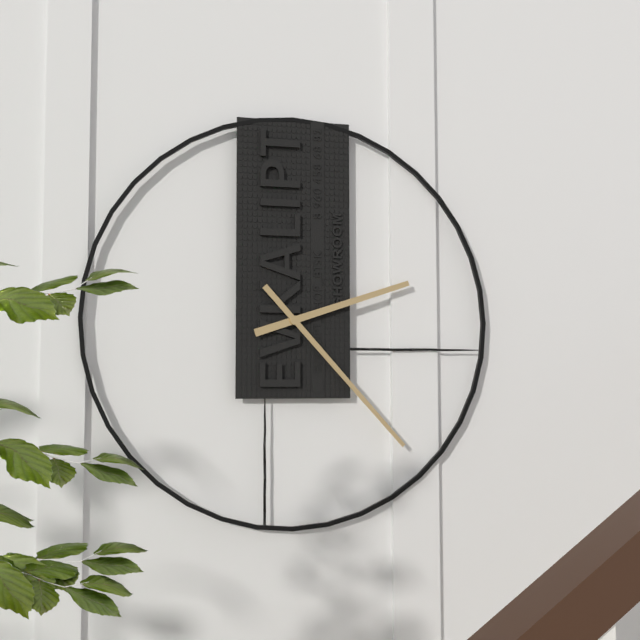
2:23
